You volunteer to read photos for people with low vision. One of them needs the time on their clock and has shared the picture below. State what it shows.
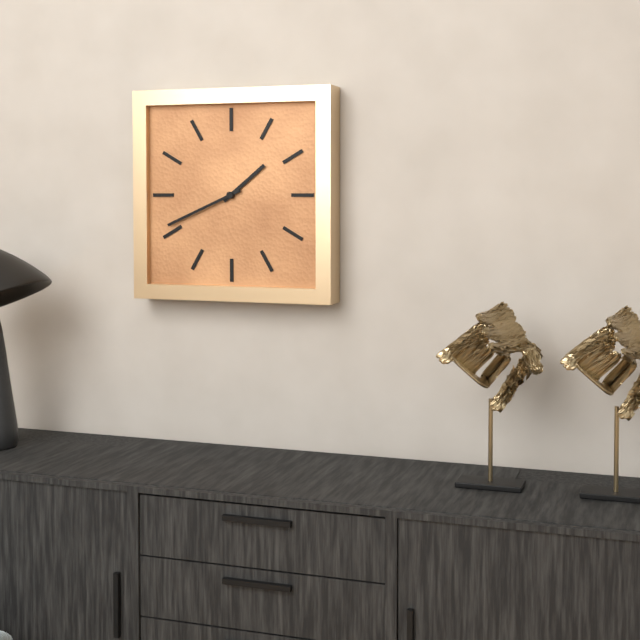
1:41
